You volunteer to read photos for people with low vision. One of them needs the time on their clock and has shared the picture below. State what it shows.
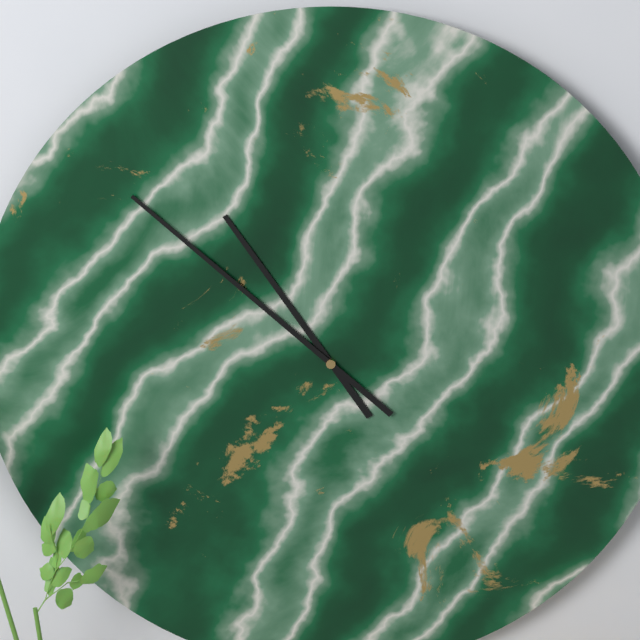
10:52
